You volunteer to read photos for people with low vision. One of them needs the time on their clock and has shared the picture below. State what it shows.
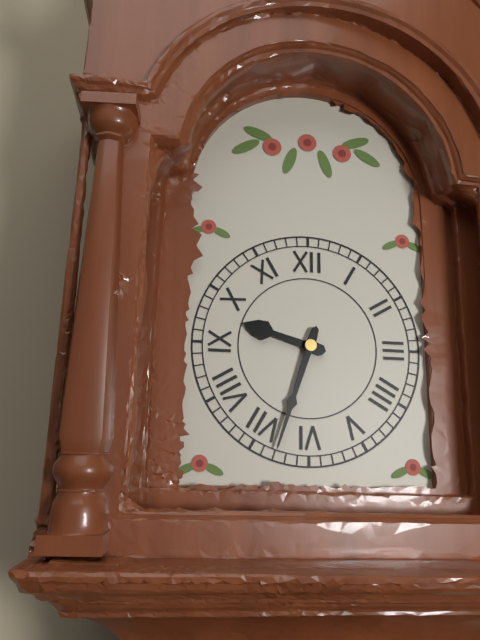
9:33
